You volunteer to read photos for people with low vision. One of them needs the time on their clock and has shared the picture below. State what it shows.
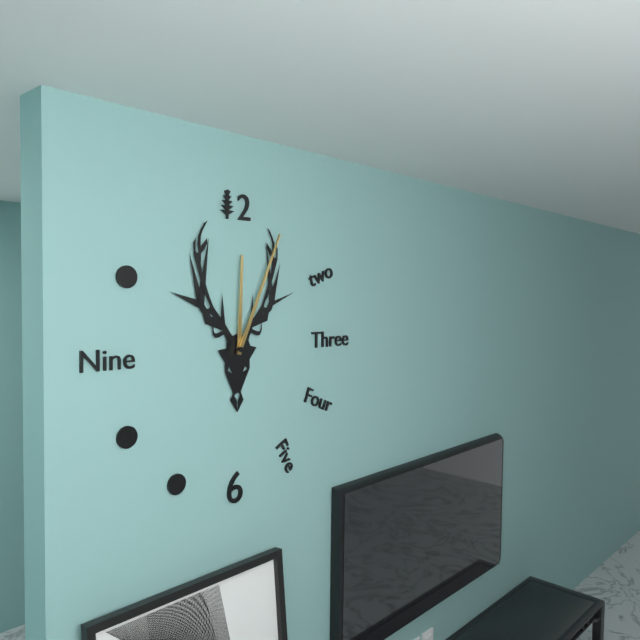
12:04
